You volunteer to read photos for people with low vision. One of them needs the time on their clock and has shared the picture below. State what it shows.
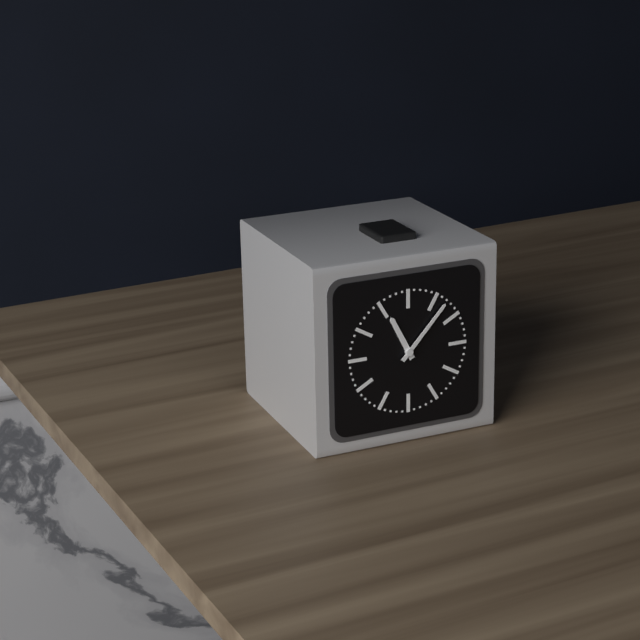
11:07
